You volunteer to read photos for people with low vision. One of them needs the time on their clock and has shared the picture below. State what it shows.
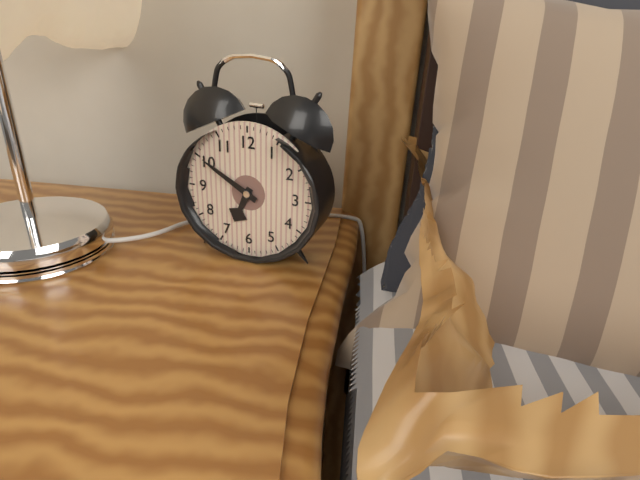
6:50
